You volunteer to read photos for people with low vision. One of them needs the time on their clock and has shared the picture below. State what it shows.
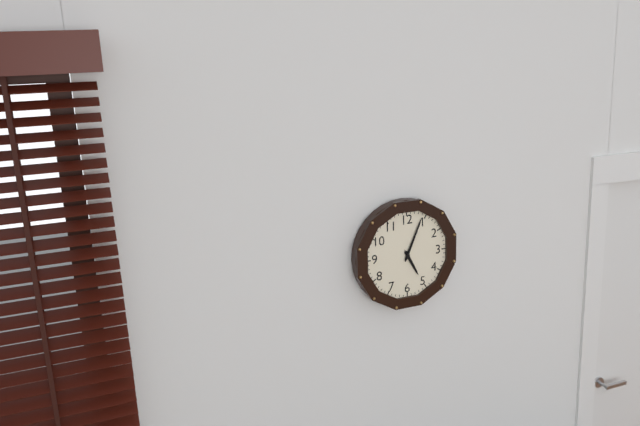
5:04
